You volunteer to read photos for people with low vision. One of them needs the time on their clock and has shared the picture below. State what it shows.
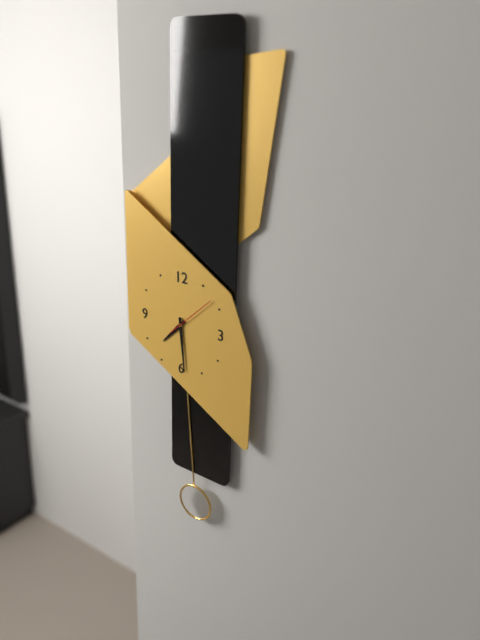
7:29
